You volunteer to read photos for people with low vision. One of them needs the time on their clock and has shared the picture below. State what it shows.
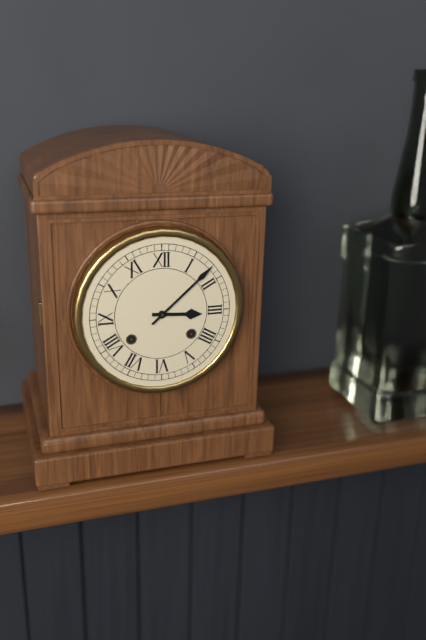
3:08
